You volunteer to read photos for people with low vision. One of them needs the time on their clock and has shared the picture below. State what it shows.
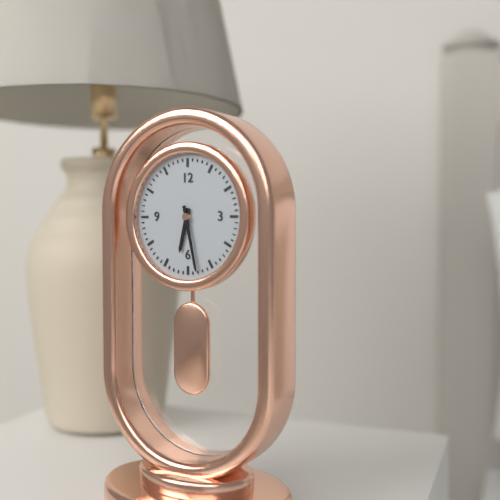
6:28
